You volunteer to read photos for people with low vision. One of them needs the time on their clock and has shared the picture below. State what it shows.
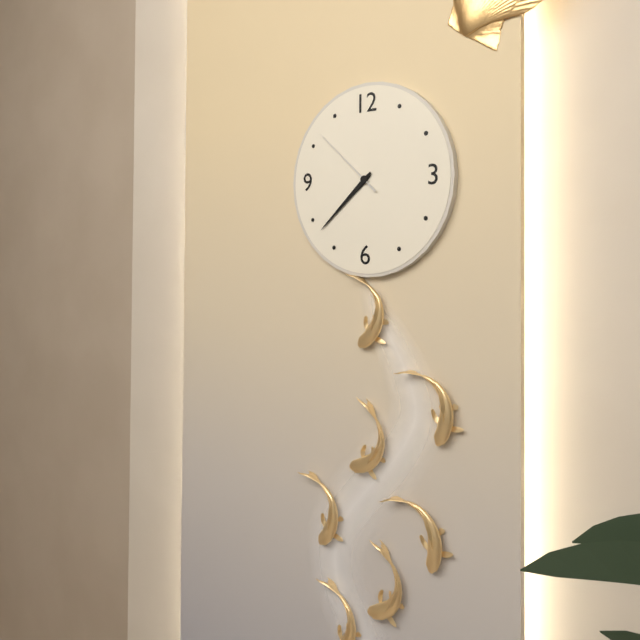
7:38:52
